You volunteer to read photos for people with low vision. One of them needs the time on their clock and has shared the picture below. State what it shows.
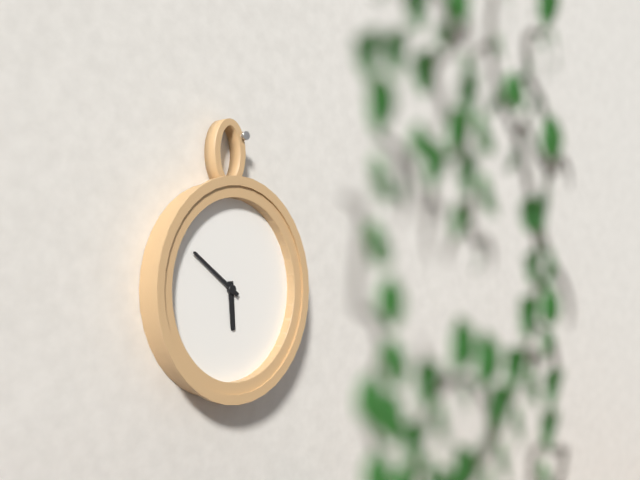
5:51
